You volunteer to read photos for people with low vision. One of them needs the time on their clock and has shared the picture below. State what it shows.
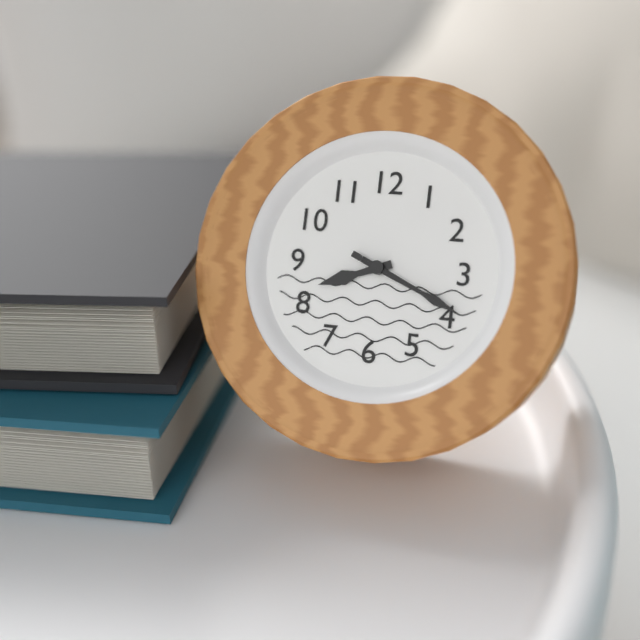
8:19:19
